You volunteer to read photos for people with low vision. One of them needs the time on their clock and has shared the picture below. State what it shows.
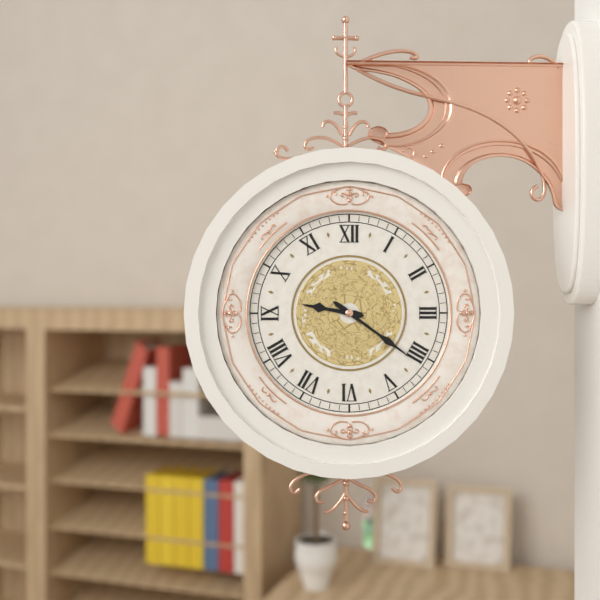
9:21
